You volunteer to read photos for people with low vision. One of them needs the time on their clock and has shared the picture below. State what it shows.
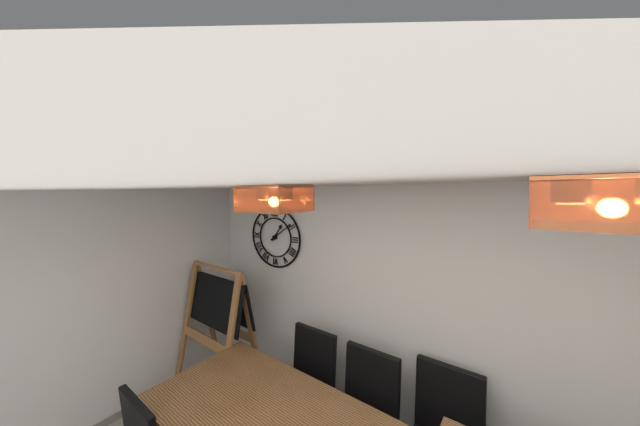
1:09
